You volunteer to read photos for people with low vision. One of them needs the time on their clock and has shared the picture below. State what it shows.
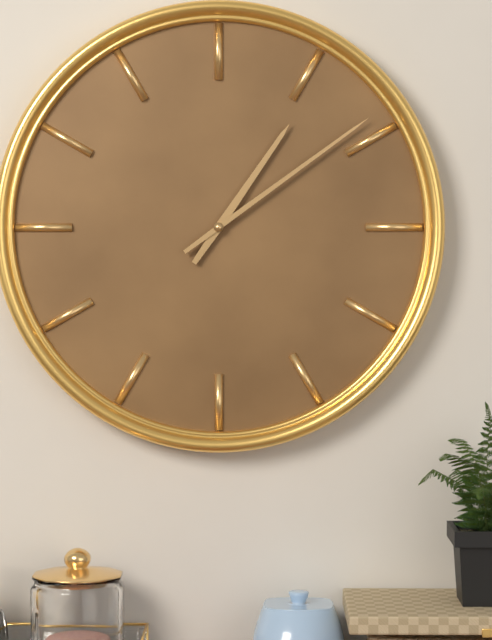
1:09
